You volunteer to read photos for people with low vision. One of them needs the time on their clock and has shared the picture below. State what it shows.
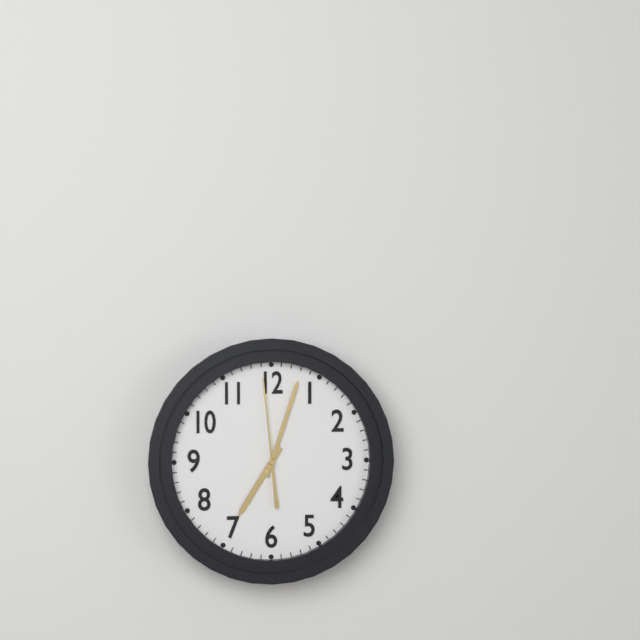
7:03:59
